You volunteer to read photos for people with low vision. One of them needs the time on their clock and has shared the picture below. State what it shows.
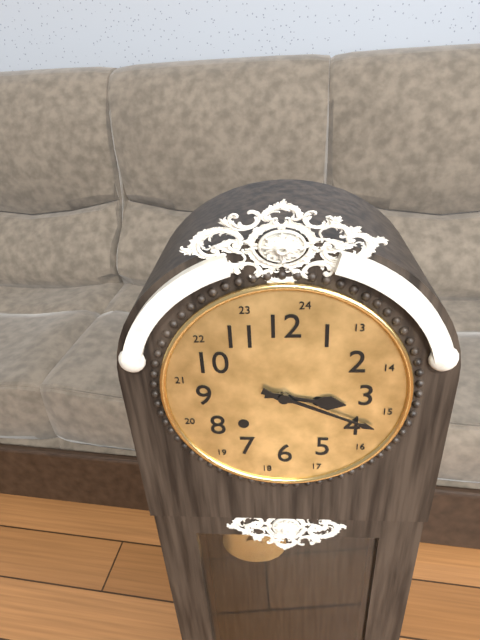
3:19
